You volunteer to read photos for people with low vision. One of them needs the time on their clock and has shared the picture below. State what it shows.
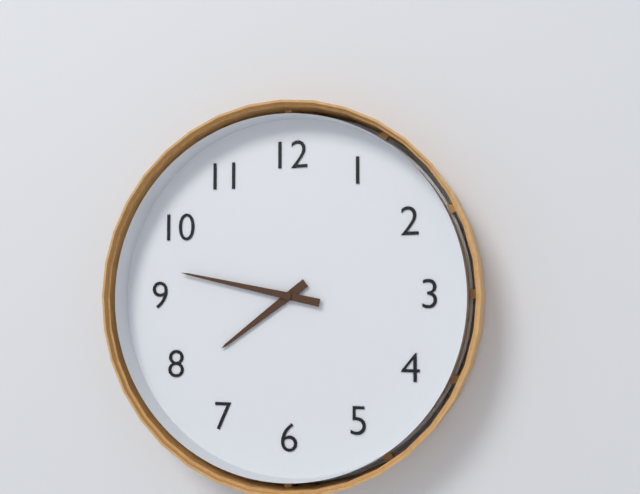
7:47
